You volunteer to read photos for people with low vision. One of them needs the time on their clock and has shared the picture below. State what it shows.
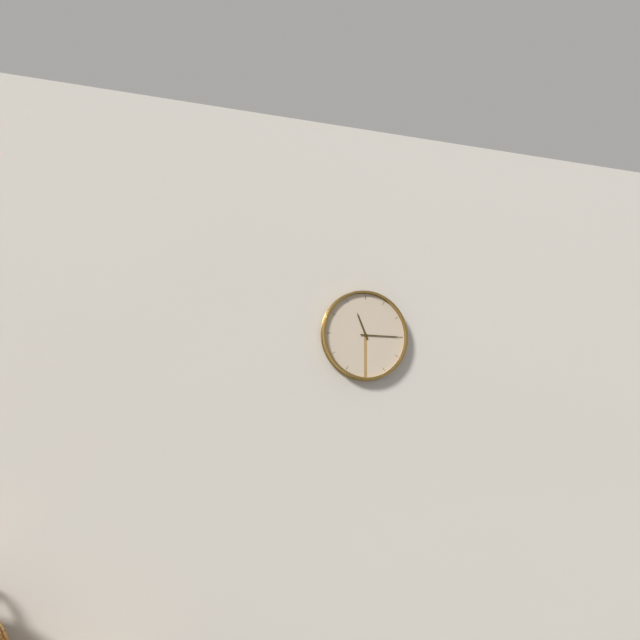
11:15
